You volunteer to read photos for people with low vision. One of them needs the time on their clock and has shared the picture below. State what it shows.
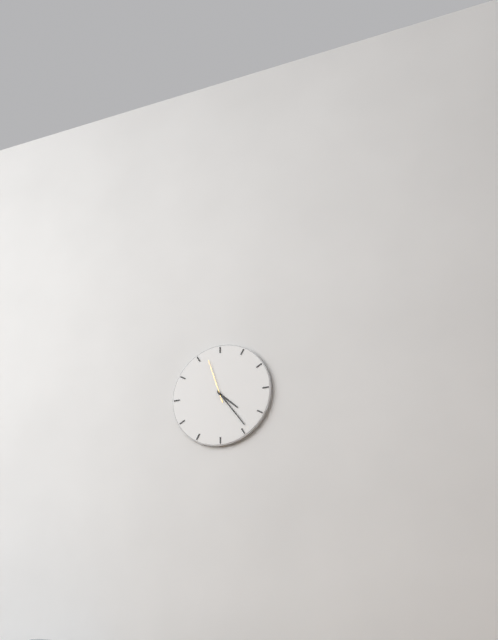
4:24
